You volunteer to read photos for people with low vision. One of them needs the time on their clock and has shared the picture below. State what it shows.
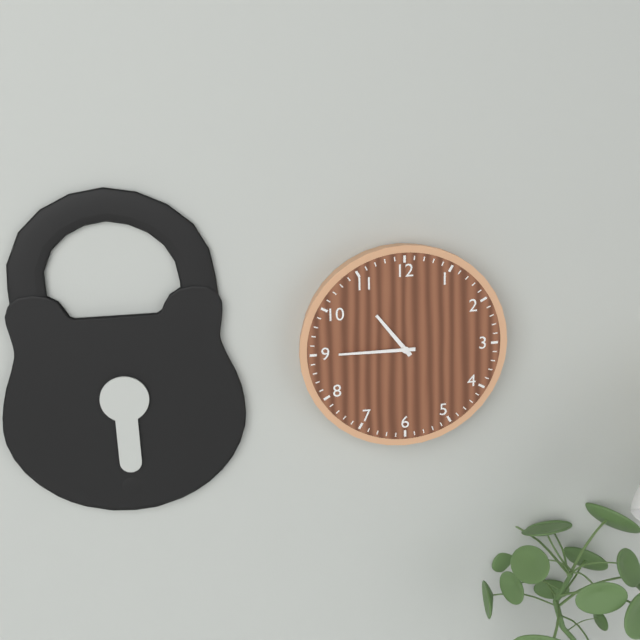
10:45
